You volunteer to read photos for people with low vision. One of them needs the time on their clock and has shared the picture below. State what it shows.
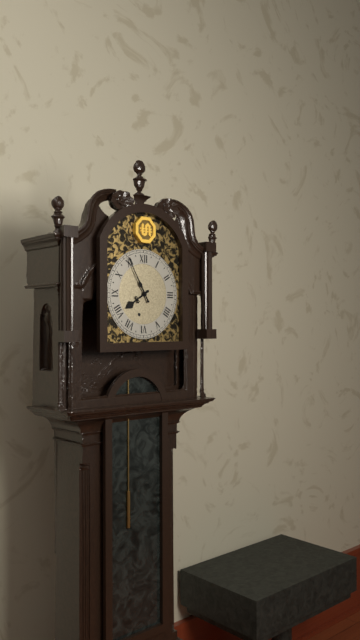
7:55
